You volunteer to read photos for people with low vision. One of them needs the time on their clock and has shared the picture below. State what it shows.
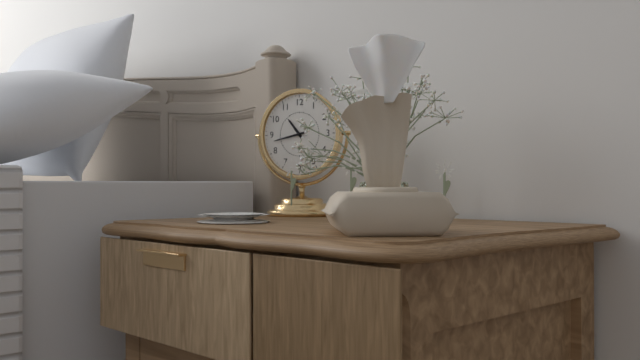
10:43
